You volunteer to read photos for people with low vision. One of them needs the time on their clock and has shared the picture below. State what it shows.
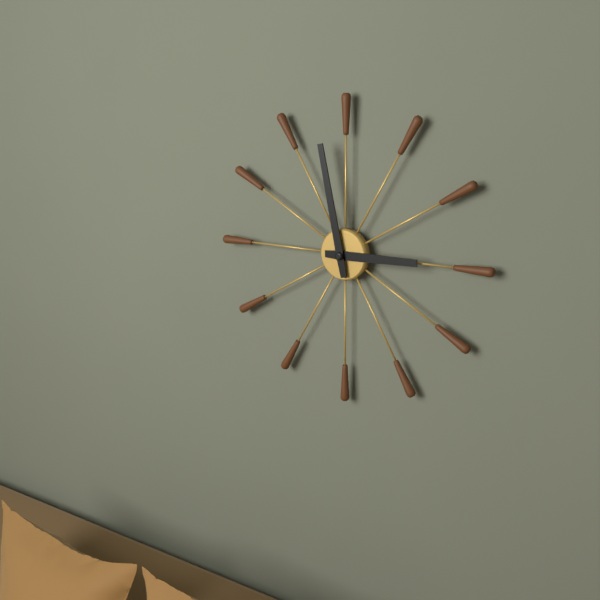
2:58
